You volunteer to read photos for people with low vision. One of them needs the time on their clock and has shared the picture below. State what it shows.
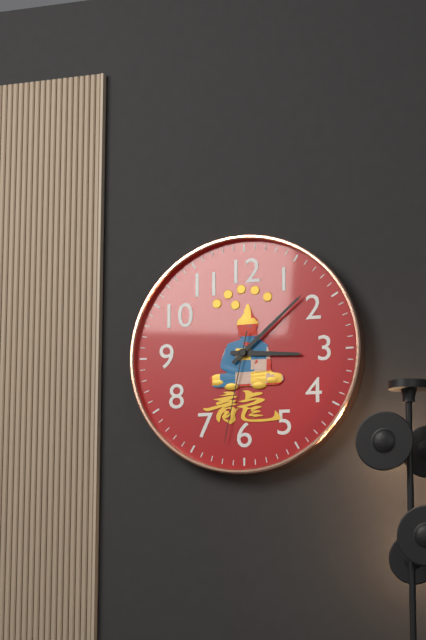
3:08:32
